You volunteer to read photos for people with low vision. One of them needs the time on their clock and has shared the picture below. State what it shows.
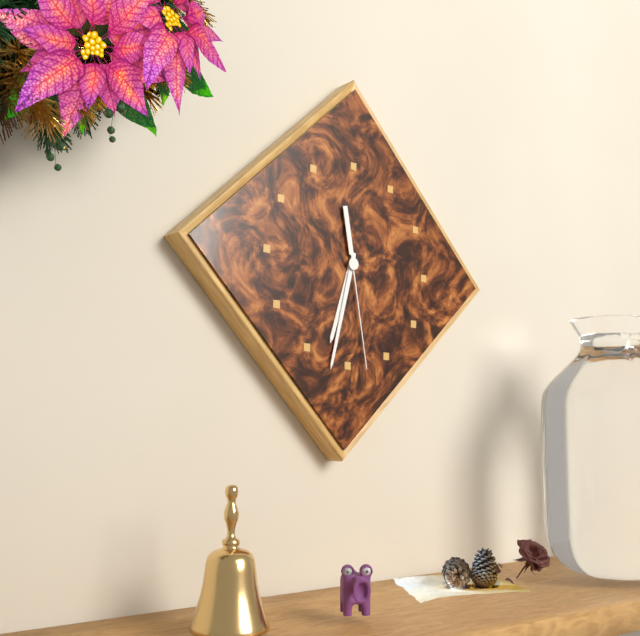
6:32:28
